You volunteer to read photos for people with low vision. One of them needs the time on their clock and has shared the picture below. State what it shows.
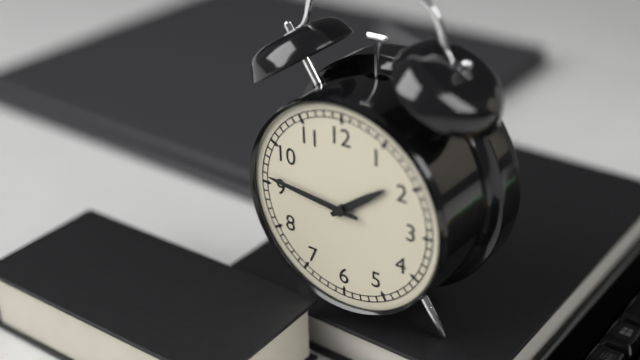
1:46
